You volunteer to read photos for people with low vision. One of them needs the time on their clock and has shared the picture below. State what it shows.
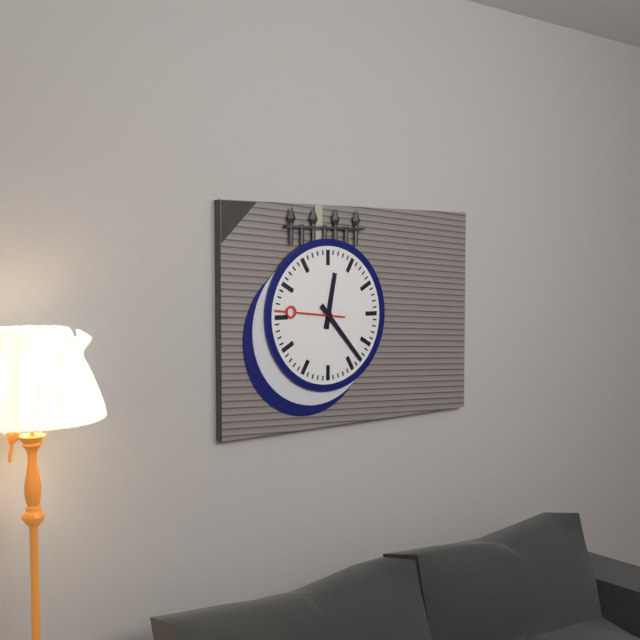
12:23:46
